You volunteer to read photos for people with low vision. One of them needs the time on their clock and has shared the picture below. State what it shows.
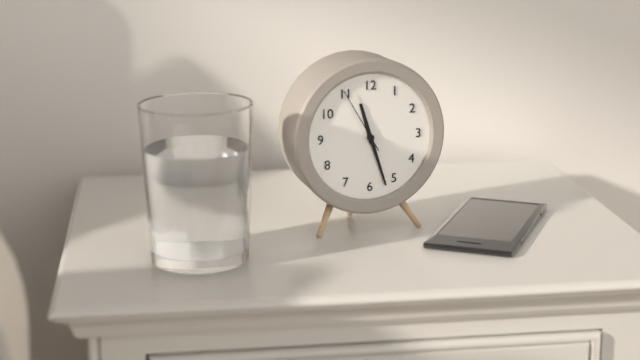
11:27:55
